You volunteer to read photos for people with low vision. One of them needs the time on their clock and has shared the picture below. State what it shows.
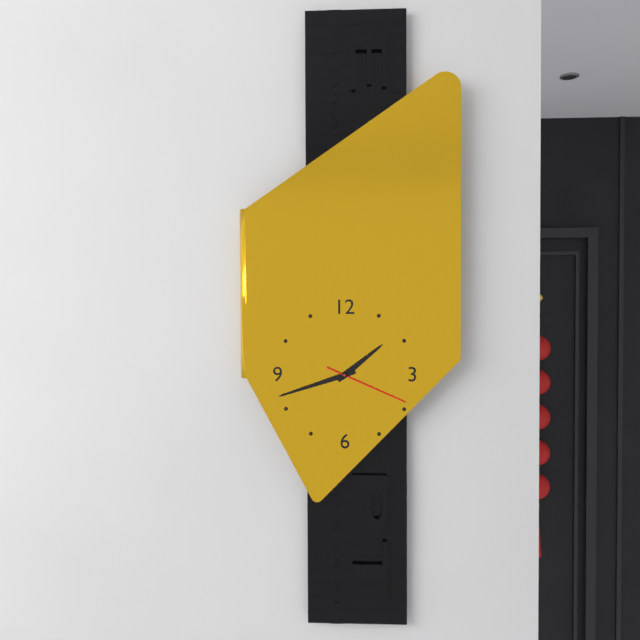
1:42:19
